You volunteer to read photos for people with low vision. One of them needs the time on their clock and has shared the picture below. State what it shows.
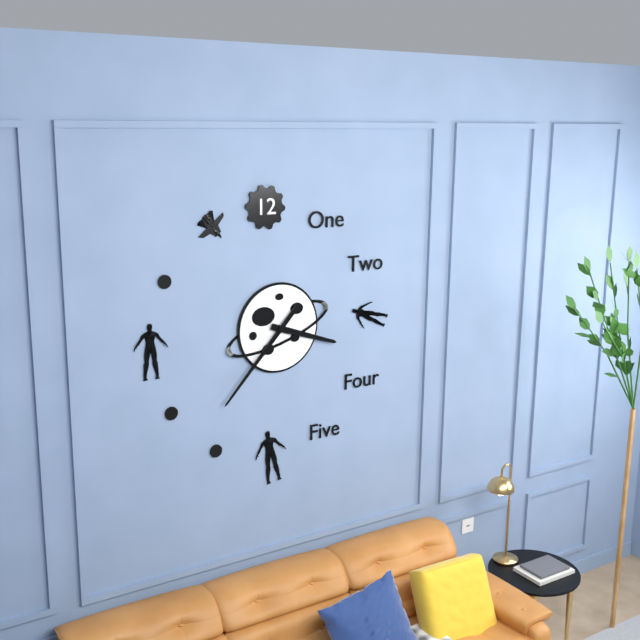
3:37
